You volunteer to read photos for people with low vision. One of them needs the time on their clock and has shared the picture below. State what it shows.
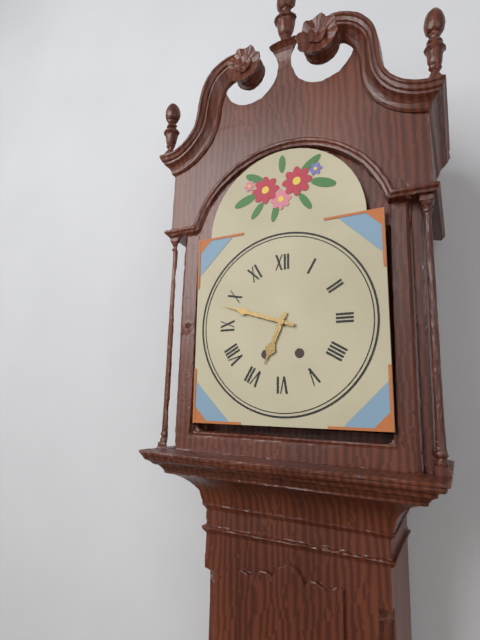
6:48
